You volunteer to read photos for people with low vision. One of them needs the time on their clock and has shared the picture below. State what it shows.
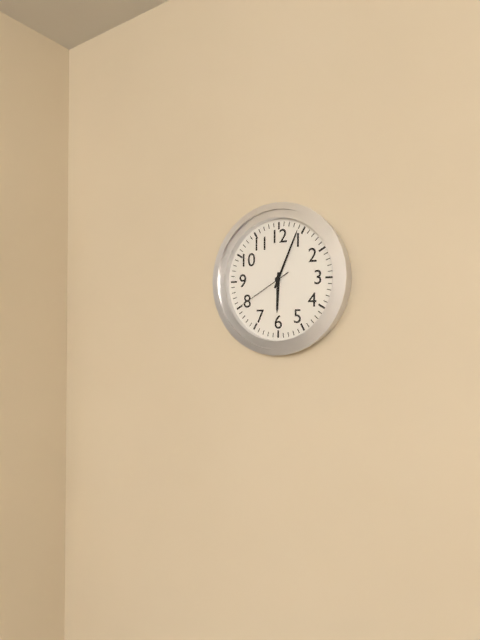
6:04:40
